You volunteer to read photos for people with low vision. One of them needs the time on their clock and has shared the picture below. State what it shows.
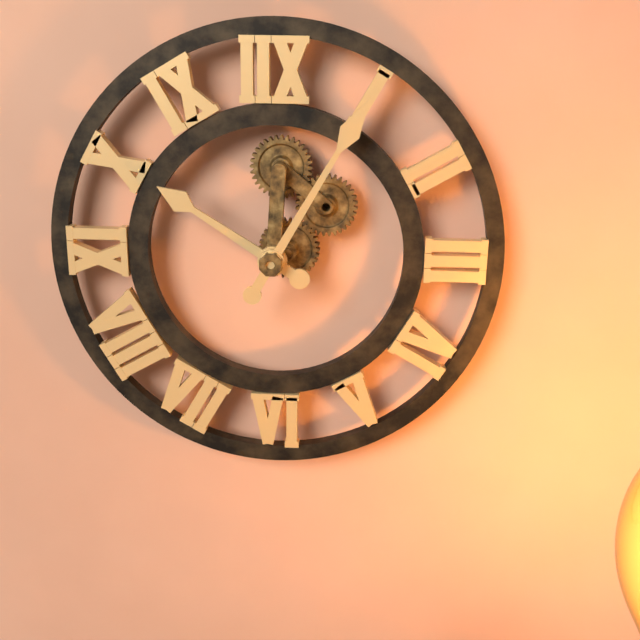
10:05
